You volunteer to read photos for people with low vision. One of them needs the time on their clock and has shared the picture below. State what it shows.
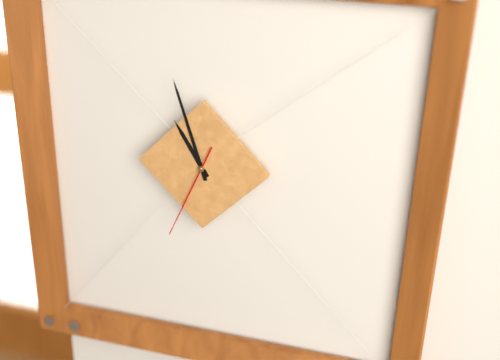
10:57:34
